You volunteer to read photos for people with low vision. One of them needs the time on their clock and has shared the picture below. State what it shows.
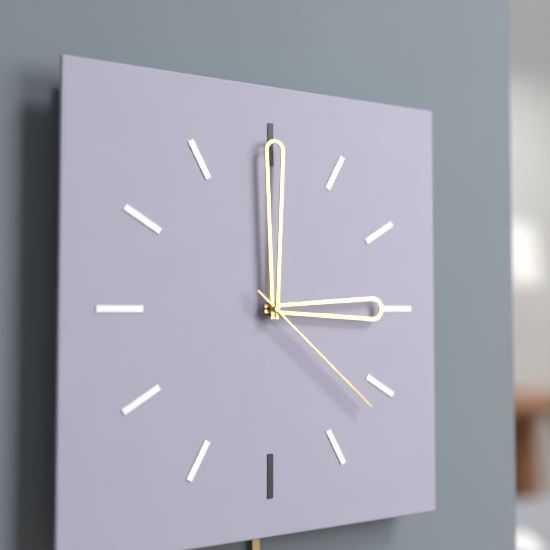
3:00:22
